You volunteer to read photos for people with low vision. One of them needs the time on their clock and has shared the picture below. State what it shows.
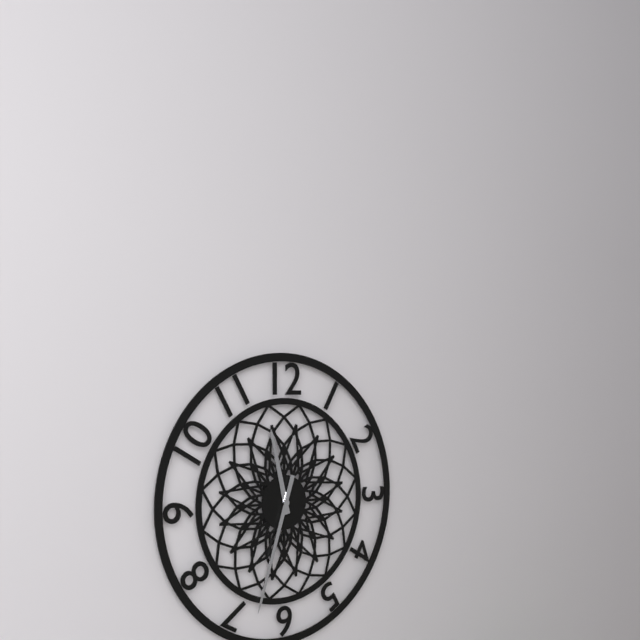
11:33
